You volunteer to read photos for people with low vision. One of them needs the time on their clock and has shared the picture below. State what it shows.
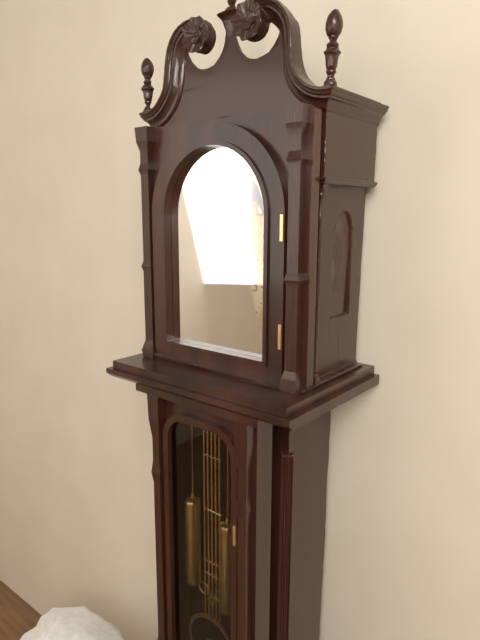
6:46
